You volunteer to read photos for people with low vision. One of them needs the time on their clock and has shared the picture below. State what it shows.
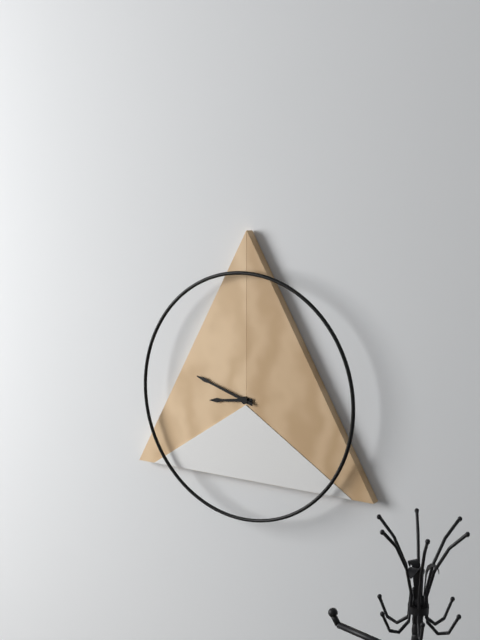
8:48
